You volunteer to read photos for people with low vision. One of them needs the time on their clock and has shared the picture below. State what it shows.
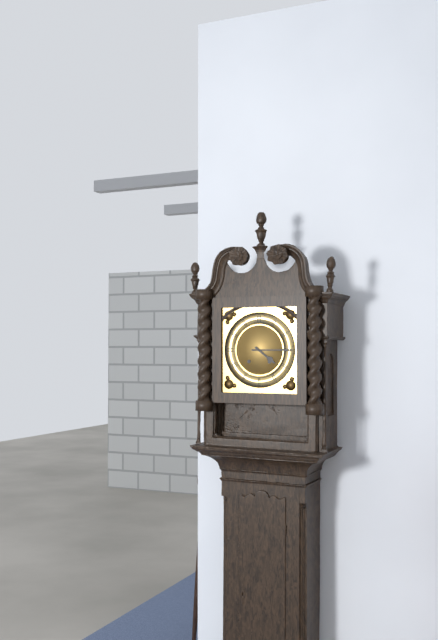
4:15
